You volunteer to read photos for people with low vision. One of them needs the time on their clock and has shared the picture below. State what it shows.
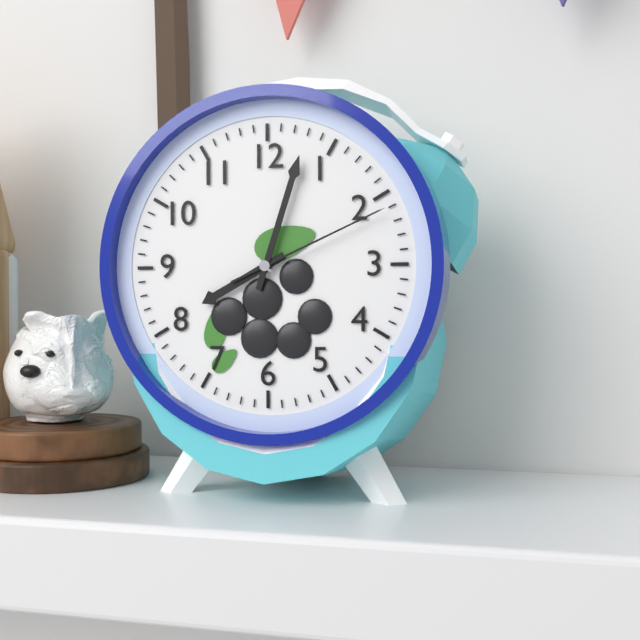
8:03:11
